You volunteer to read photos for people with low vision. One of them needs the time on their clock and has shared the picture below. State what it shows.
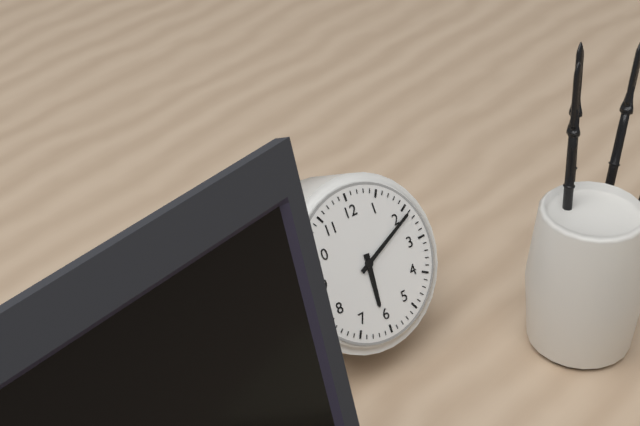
6:11
